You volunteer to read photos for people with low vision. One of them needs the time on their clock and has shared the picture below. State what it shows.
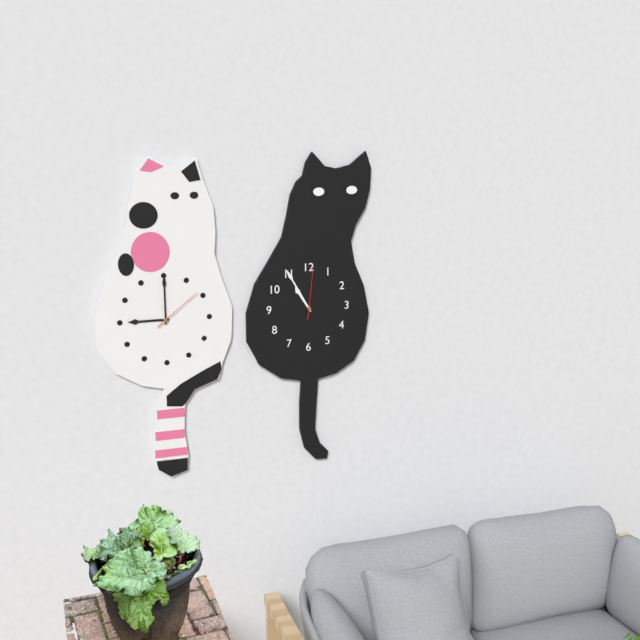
10:55:01
